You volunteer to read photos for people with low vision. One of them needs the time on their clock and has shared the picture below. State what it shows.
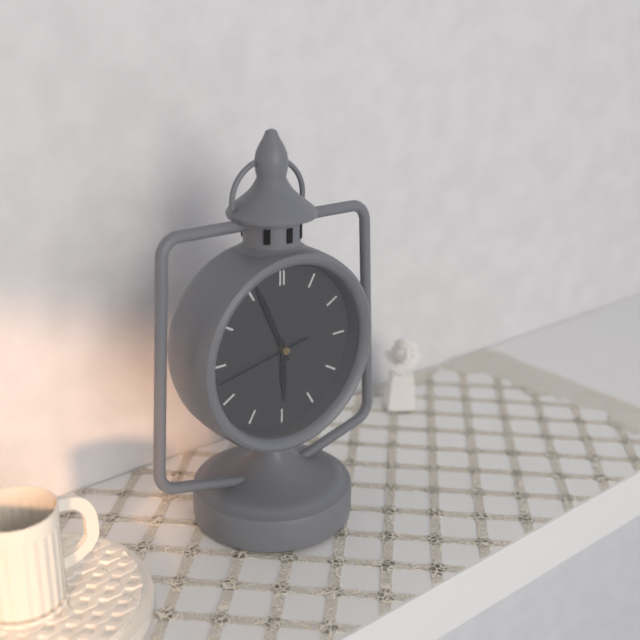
5:56:43
